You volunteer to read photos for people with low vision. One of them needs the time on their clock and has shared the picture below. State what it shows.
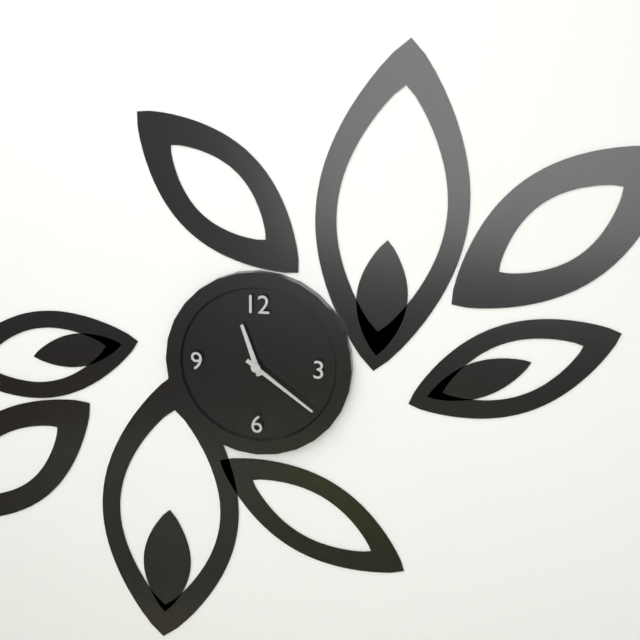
11:21
